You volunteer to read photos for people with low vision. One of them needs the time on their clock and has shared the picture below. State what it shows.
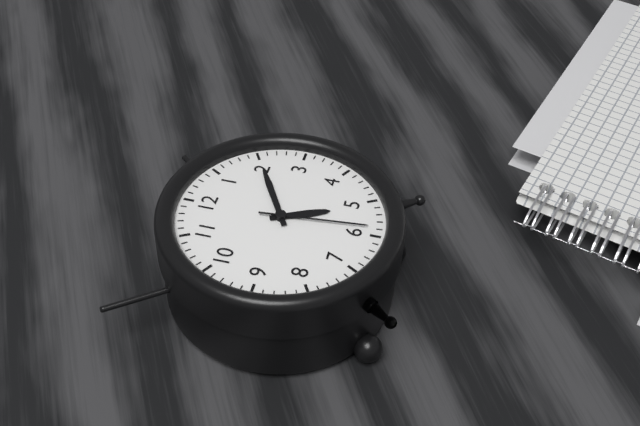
5:10:29
